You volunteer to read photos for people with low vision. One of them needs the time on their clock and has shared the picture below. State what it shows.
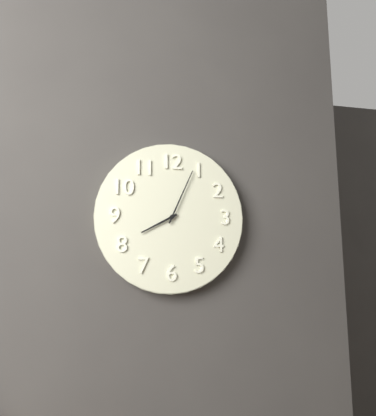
8:04
